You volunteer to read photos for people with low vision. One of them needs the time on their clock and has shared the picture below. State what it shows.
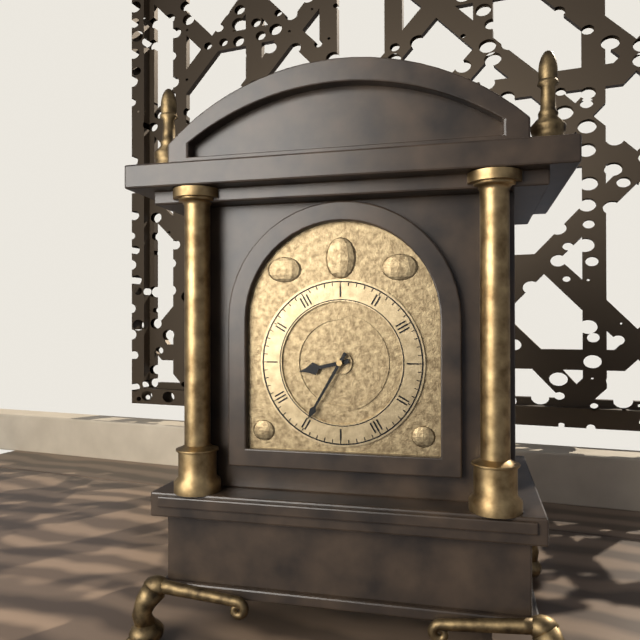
8:35
